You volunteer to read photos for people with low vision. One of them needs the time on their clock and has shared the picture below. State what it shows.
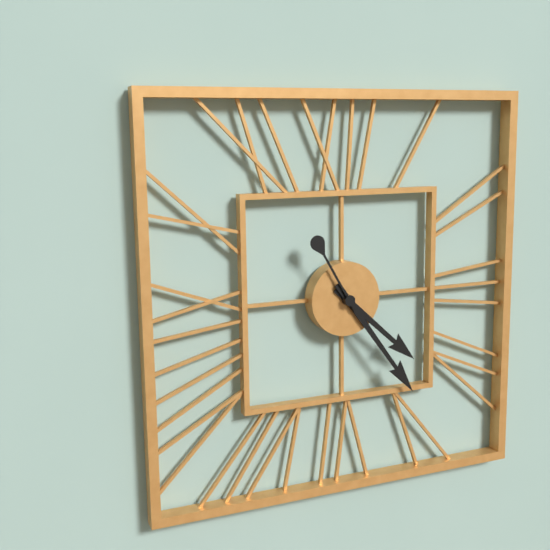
4:24:55
